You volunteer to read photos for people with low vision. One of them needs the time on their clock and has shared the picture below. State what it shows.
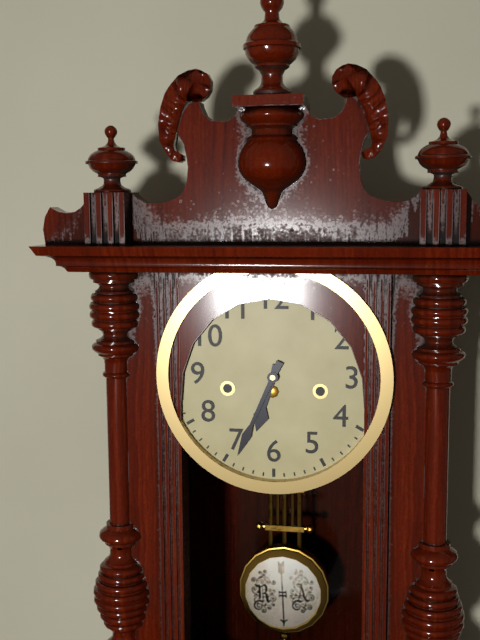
6:34
